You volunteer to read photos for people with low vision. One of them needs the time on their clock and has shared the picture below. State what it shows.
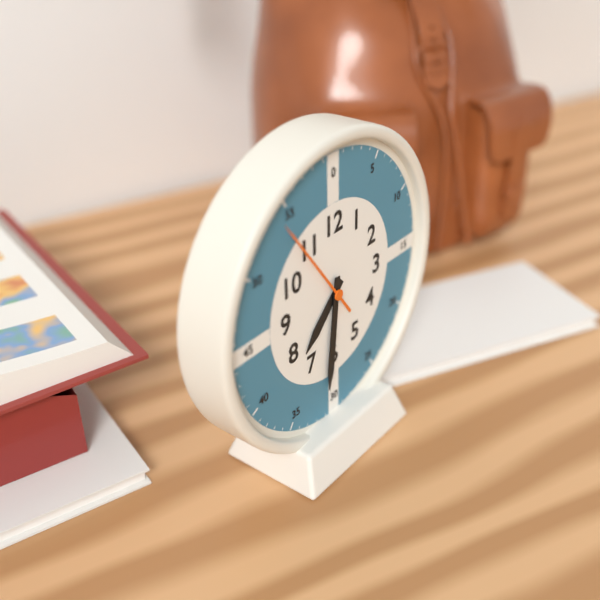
7:31:54
